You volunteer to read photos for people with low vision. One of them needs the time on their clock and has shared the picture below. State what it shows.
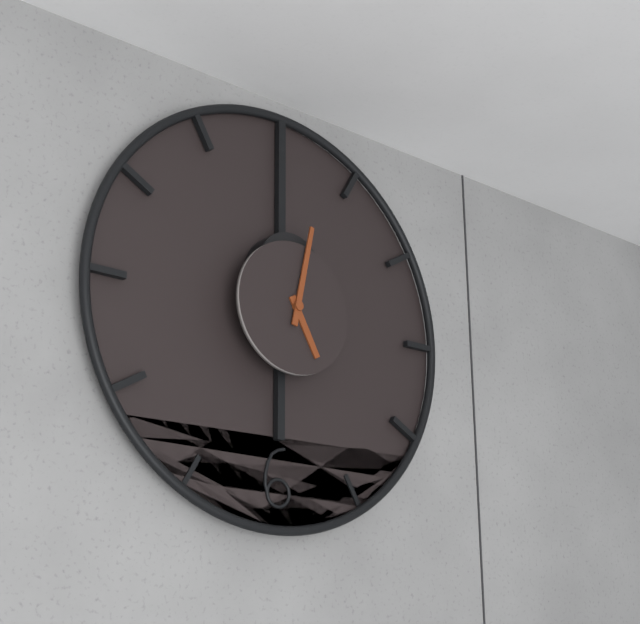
5:02
